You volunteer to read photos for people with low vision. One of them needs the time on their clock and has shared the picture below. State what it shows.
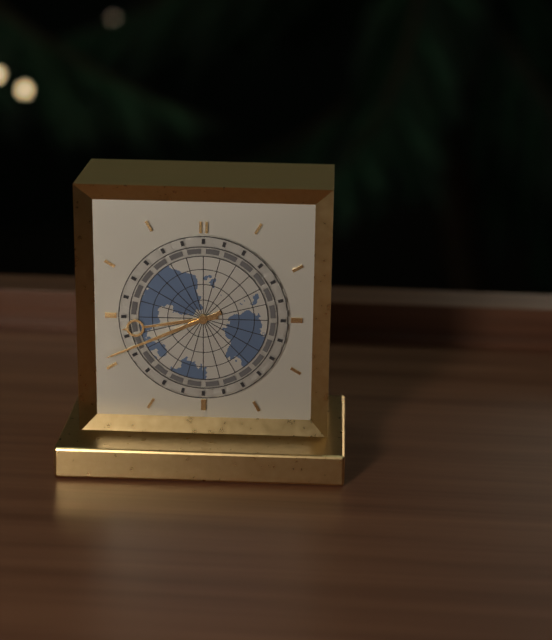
8:41
